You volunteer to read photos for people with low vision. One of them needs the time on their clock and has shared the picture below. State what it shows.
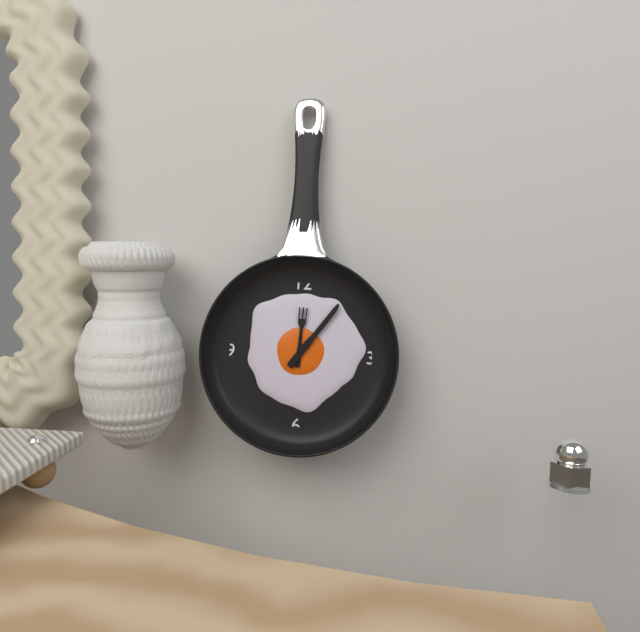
12:06
